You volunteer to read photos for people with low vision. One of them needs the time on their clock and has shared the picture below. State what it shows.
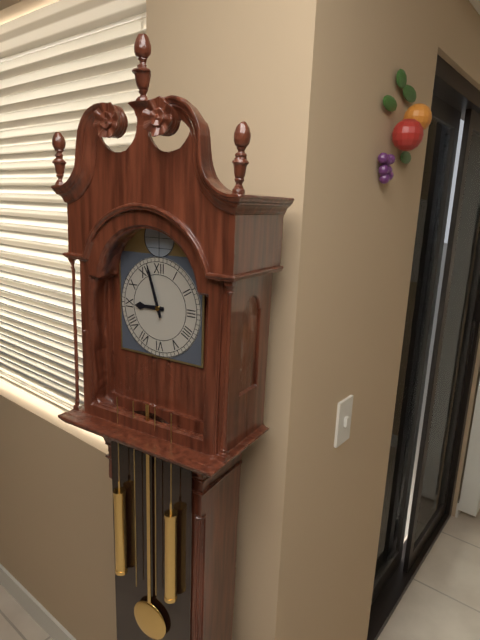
8:57
